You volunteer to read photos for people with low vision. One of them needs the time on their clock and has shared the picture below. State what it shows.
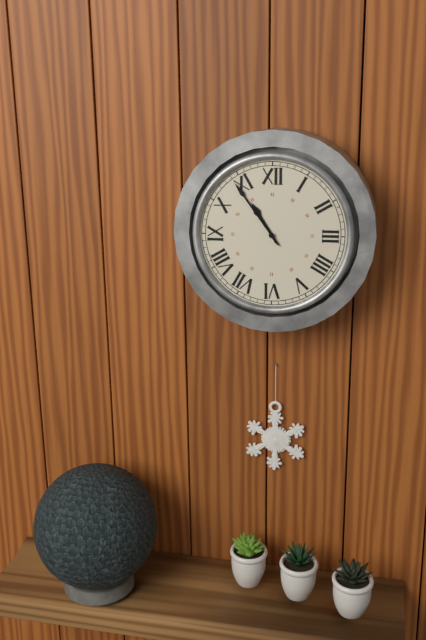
10:54
